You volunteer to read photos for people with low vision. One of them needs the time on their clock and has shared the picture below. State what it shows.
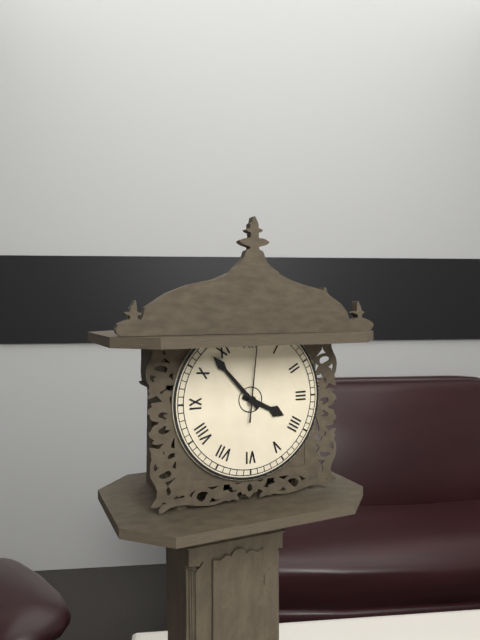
3:53:01
